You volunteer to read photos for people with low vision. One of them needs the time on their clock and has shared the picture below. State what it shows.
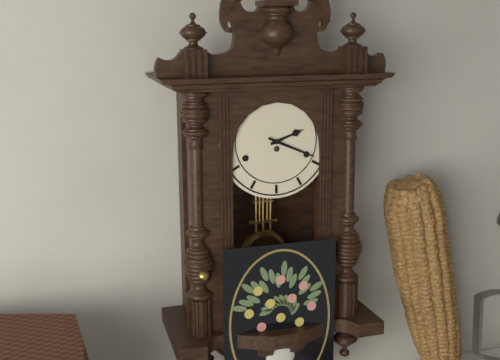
2:19
